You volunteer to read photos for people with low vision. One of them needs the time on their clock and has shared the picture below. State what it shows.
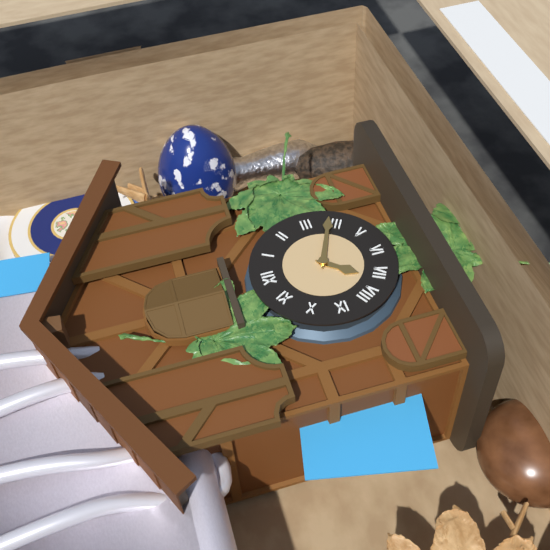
7:19
